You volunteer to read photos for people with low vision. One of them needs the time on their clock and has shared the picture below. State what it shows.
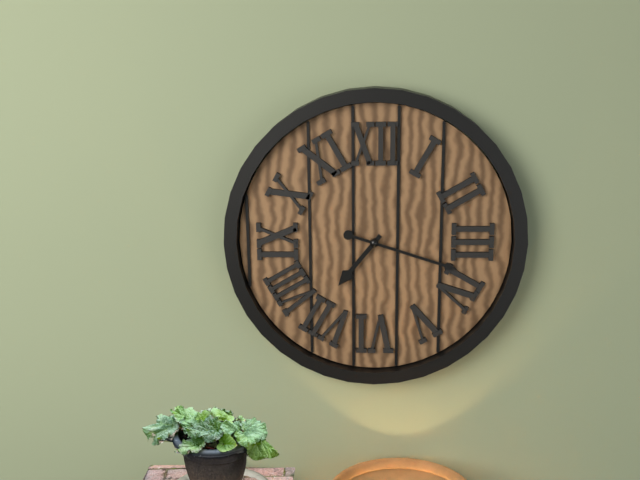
7:18
